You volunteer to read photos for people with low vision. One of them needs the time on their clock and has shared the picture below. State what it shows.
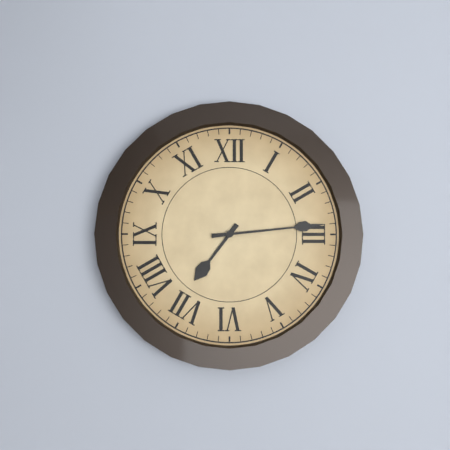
7:14
